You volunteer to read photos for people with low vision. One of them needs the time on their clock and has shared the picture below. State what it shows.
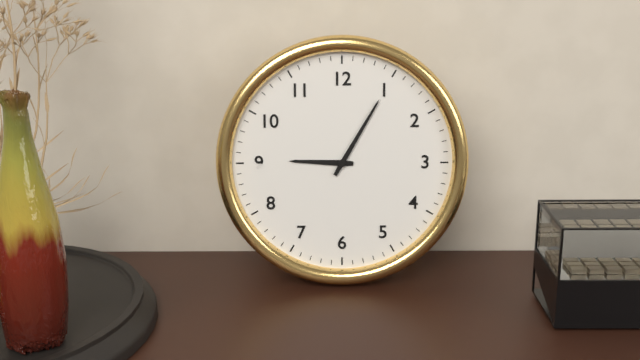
9:05
